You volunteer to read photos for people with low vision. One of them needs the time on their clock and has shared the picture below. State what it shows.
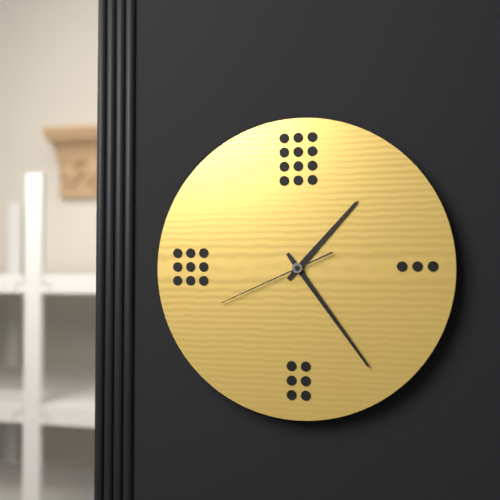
1:24:41
